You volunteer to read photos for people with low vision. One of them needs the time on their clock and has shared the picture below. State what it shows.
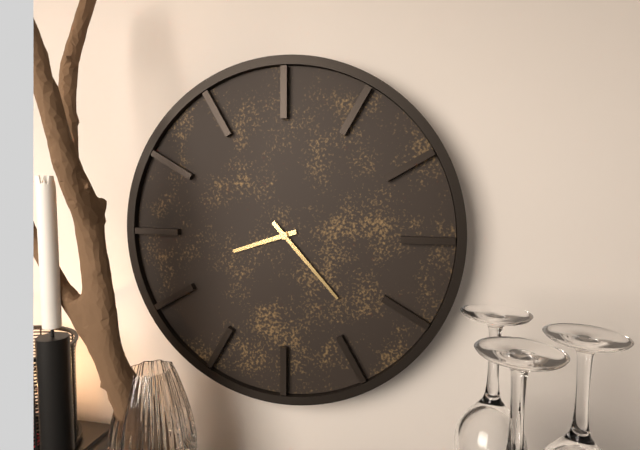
8:23
